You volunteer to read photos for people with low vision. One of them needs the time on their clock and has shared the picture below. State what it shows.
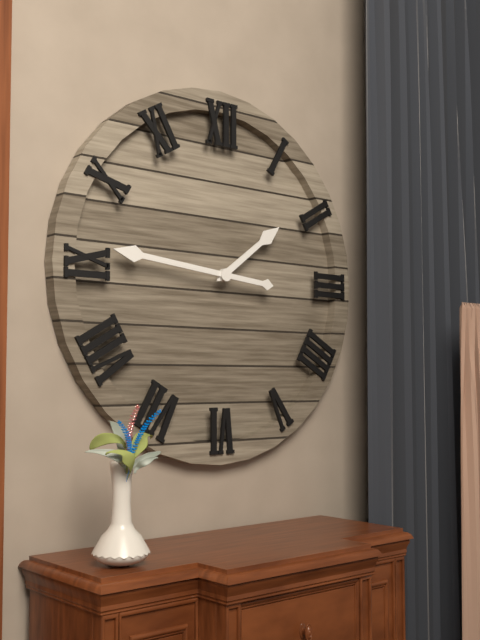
1:46
